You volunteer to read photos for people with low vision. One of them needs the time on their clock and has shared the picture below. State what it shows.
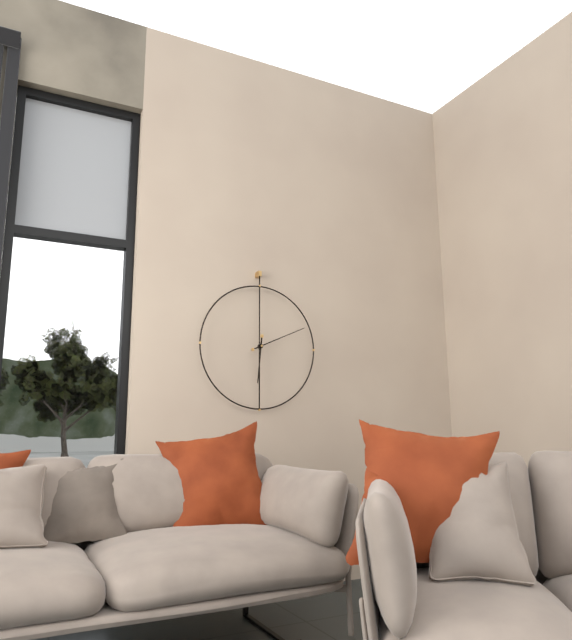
6:11
